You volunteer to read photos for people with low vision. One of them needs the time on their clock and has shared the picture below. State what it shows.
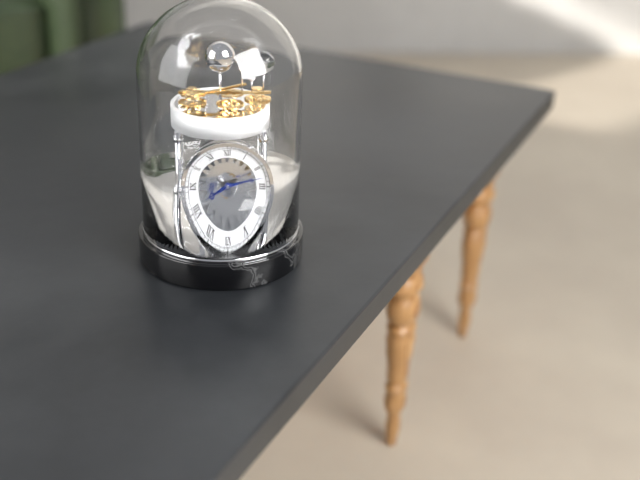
8:13
